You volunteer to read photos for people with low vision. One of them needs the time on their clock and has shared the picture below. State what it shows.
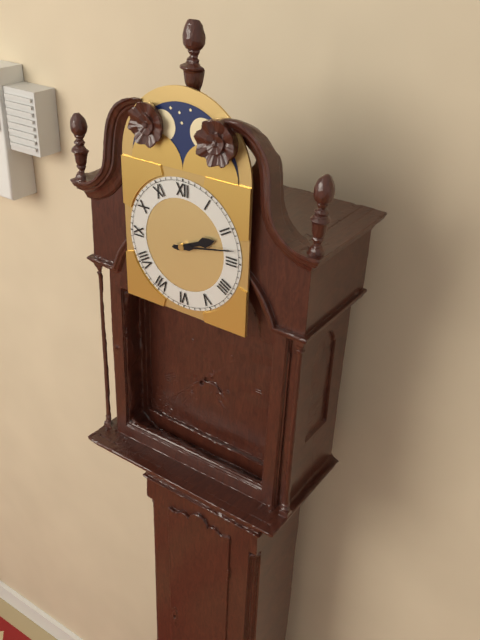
2:13
